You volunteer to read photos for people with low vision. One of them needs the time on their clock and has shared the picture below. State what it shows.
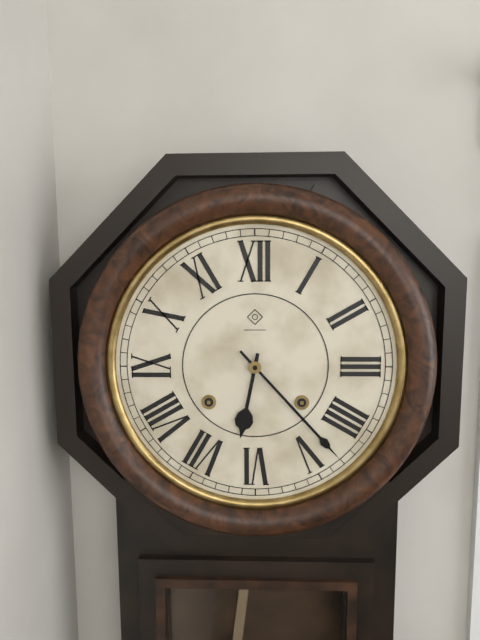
6:23
